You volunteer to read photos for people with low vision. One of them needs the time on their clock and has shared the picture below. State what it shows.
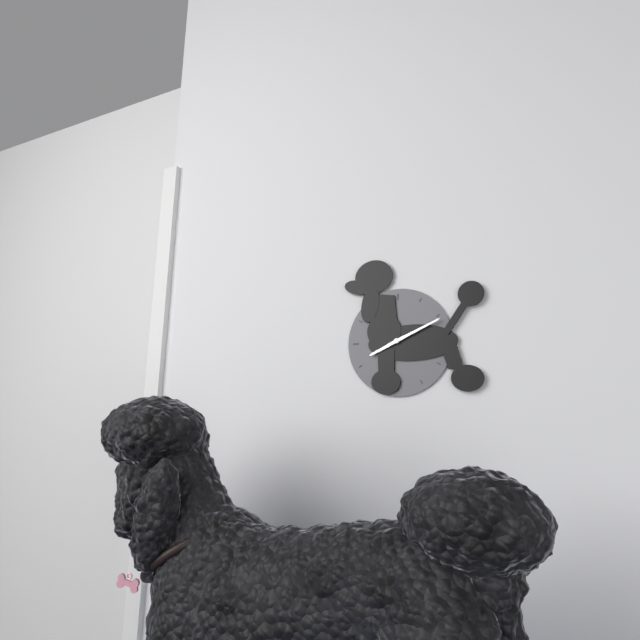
8:11
